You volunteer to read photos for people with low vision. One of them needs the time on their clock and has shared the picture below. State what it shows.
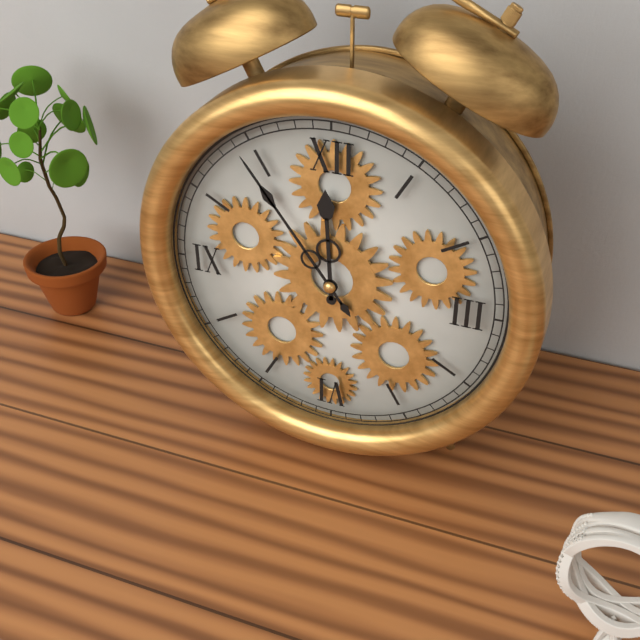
11:54
